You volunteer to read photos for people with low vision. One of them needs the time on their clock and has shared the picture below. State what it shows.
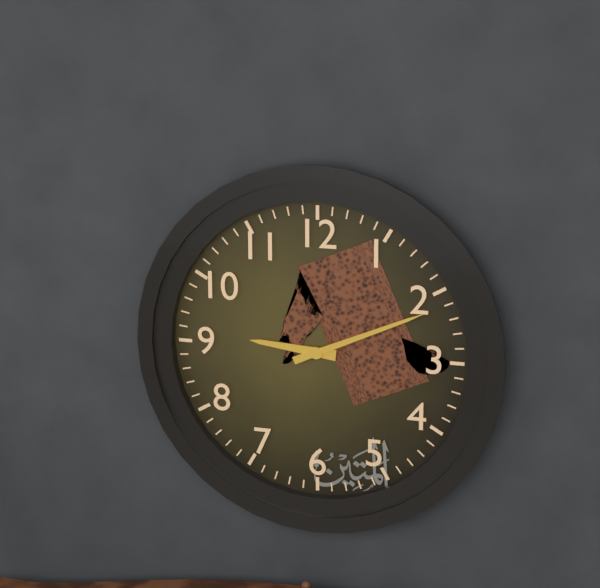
9:11
